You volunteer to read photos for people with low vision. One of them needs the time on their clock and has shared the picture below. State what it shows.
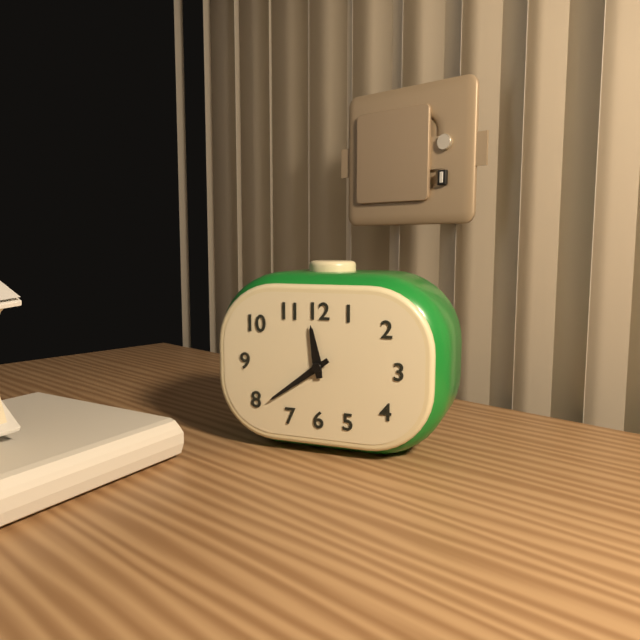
11:39
